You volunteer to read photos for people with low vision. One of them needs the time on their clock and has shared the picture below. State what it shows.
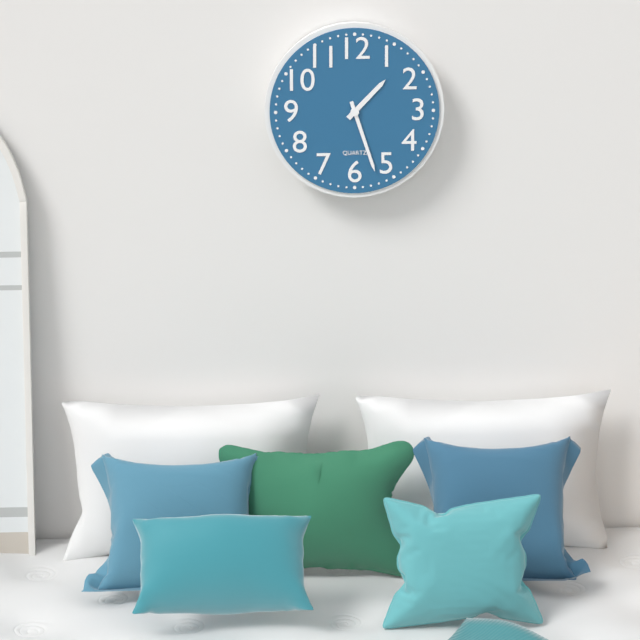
1:27
